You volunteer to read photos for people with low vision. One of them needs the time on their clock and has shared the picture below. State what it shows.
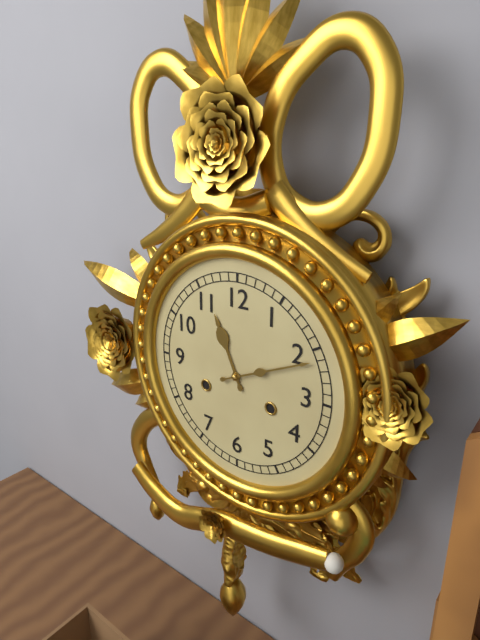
11:11
